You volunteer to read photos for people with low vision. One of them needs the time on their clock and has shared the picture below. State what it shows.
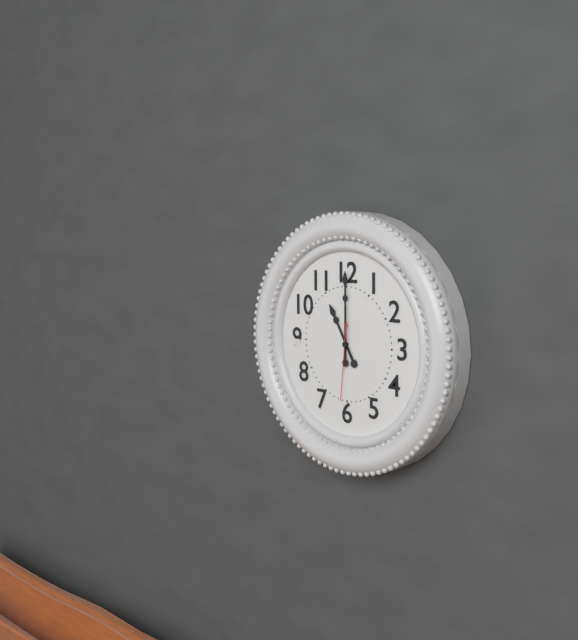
11:00:31
